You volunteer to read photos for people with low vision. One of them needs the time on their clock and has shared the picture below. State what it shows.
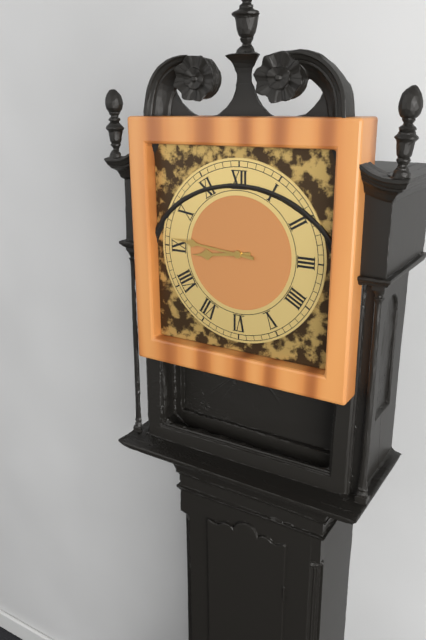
8:46
